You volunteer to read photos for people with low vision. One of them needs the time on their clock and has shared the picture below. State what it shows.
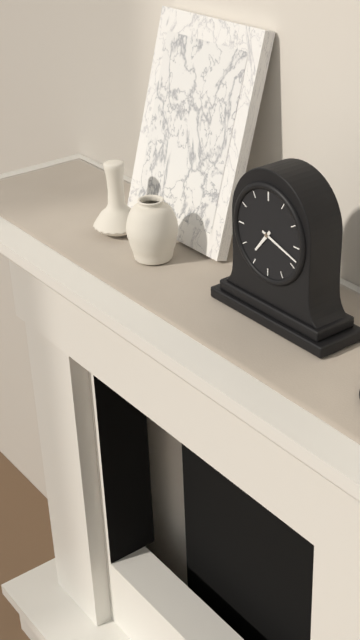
7:18
